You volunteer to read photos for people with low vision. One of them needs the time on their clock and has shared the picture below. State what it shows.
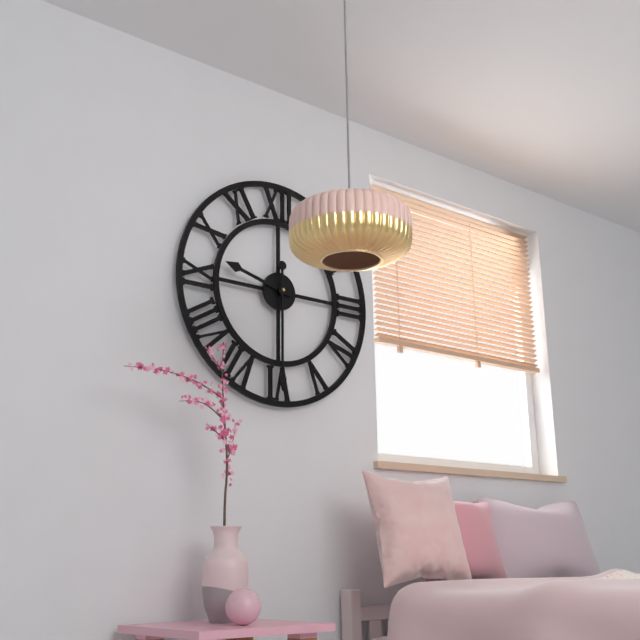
9:30
